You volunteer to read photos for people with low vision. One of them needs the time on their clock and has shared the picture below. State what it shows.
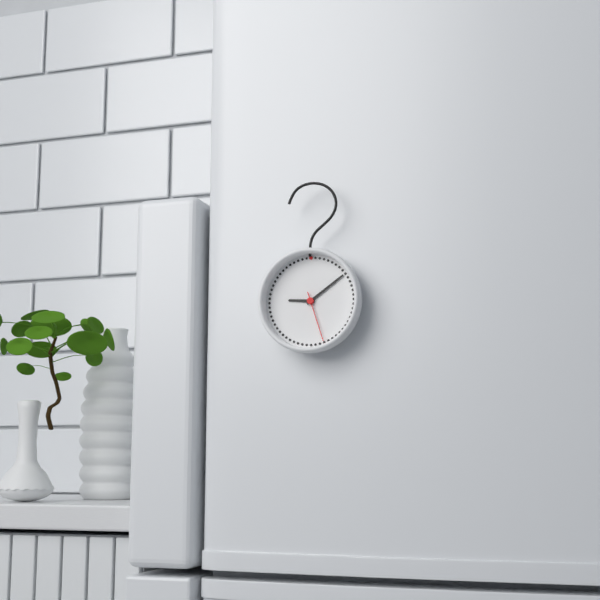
9:09:27
